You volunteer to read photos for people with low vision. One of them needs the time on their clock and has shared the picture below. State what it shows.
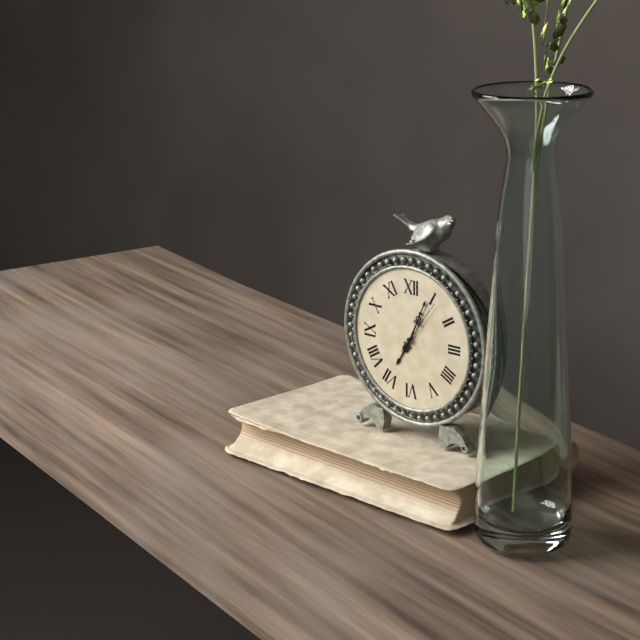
7:04:06
